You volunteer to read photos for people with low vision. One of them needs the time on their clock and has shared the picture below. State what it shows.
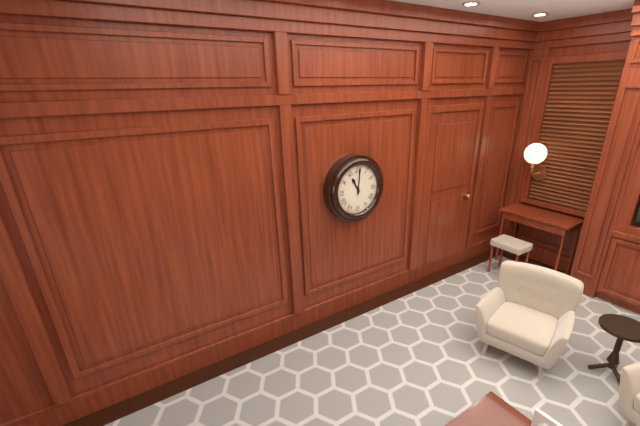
11:01
